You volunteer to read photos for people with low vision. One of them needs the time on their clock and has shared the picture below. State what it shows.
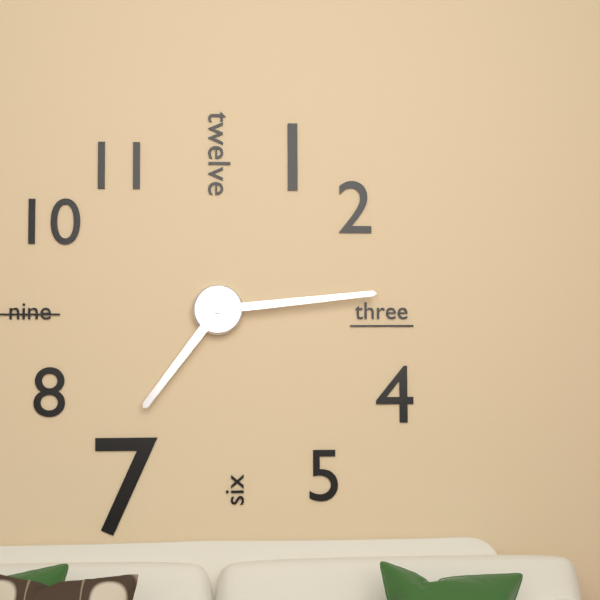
7:14
